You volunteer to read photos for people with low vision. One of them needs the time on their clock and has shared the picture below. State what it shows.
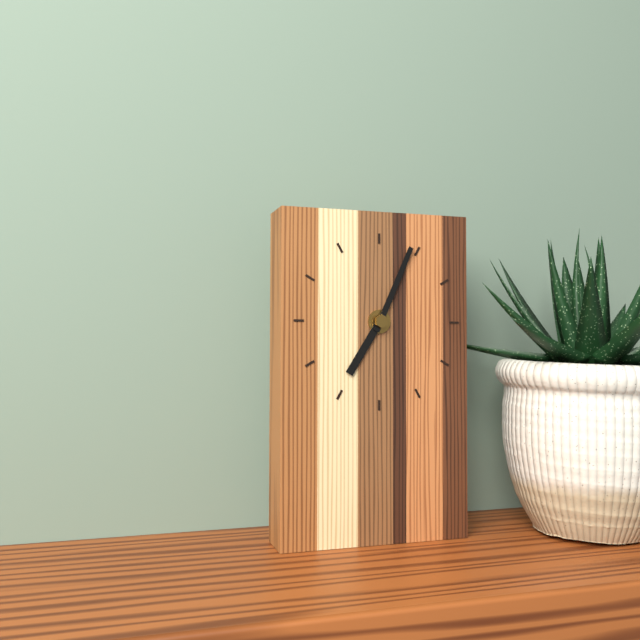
7:04
